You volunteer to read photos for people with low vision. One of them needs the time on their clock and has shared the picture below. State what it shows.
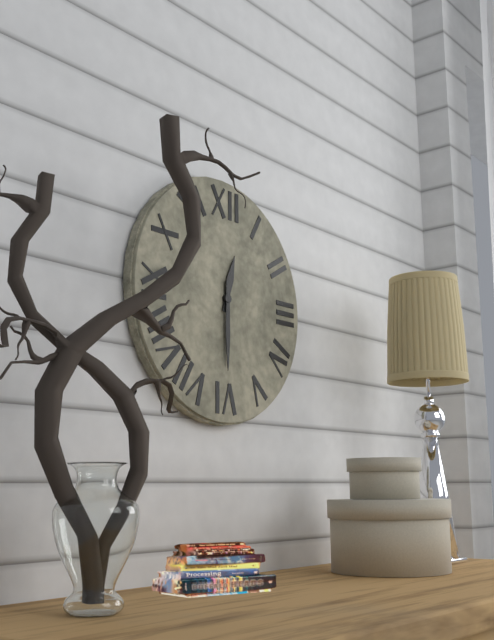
12:30
